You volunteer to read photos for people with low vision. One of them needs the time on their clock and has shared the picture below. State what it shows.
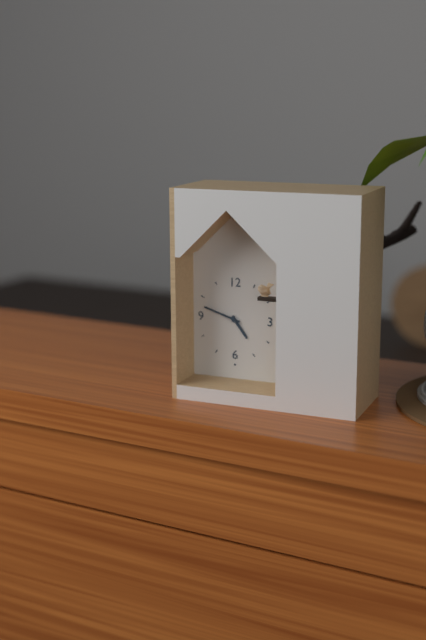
4:48
